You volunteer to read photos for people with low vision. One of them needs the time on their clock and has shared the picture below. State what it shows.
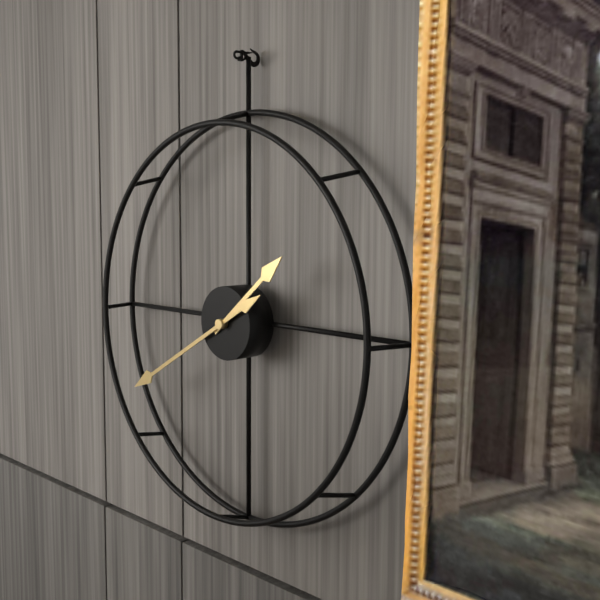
1:40
